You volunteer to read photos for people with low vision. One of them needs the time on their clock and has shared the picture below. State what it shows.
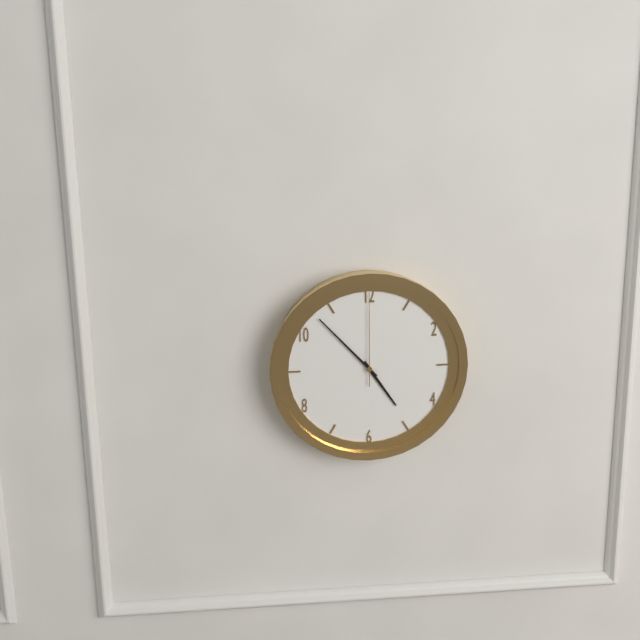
4:53:00
